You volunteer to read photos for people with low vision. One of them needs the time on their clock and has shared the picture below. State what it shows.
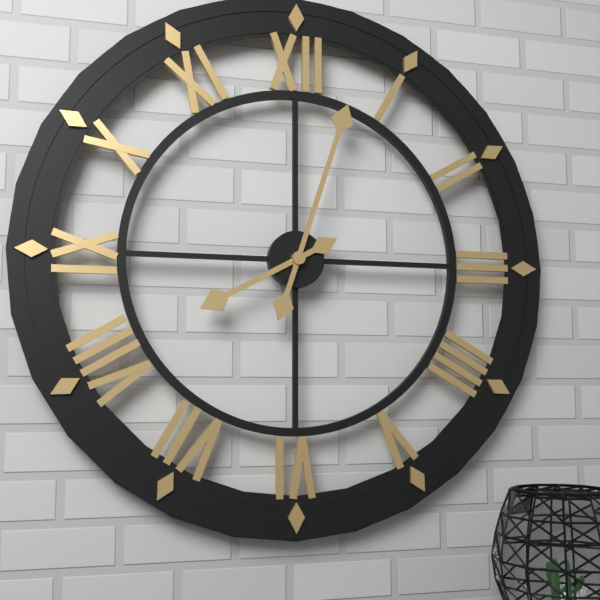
8:03
